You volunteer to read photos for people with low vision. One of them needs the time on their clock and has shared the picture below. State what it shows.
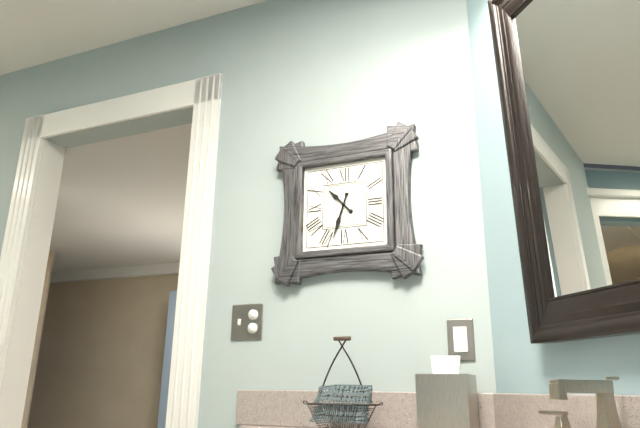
10:33
